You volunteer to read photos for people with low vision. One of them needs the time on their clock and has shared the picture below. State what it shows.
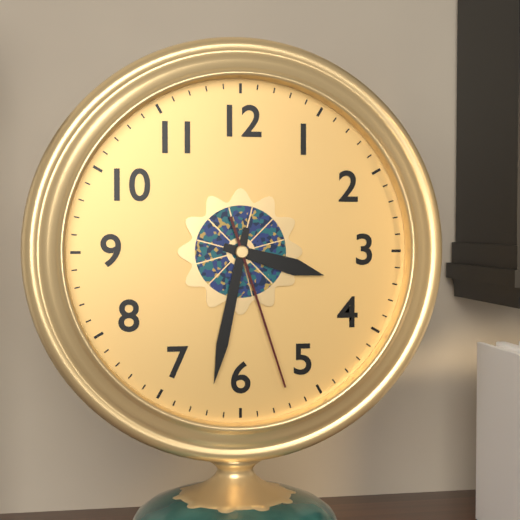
3:32:27
